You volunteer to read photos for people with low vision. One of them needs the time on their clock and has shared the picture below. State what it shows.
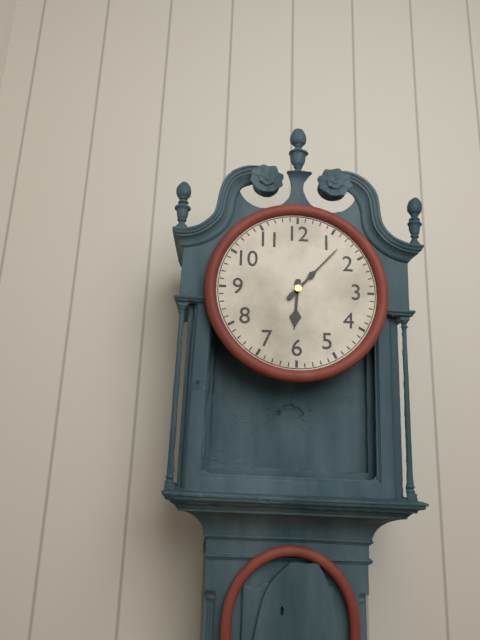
6:07
